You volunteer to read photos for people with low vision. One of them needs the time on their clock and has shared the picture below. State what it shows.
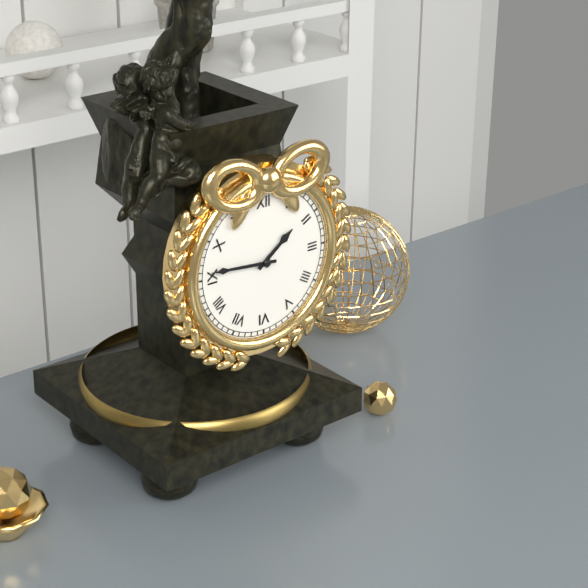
1:46
